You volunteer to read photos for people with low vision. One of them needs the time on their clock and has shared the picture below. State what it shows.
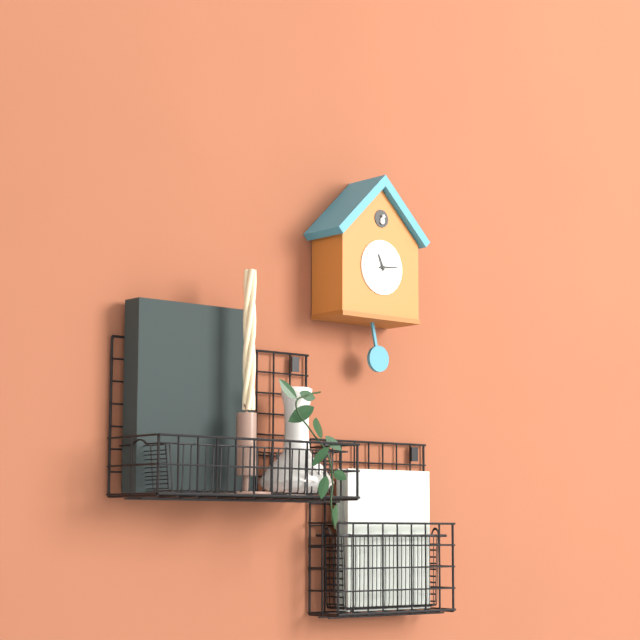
11:14
